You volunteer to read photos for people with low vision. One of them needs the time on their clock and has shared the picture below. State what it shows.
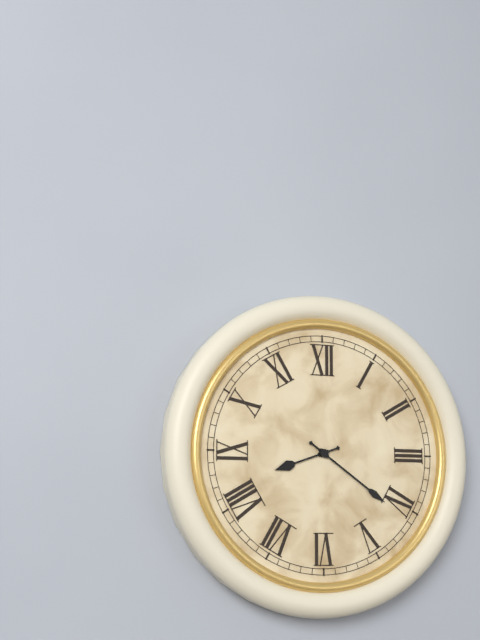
8:21
